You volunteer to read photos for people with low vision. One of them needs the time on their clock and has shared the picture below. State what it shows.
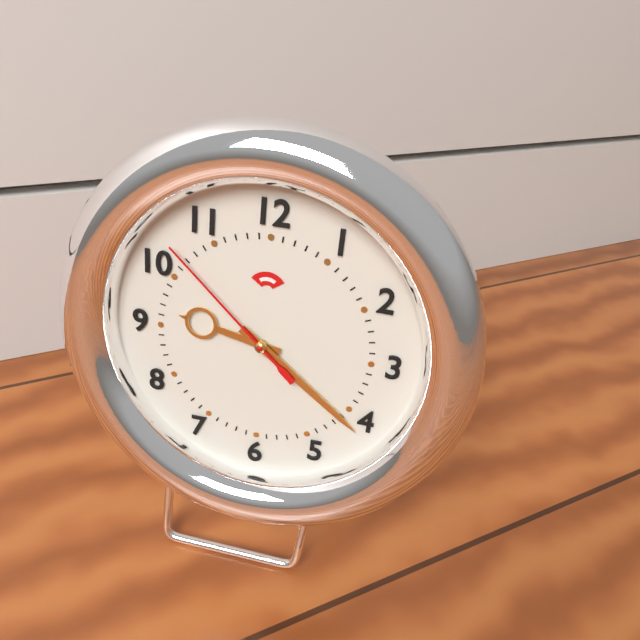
9:21:52
